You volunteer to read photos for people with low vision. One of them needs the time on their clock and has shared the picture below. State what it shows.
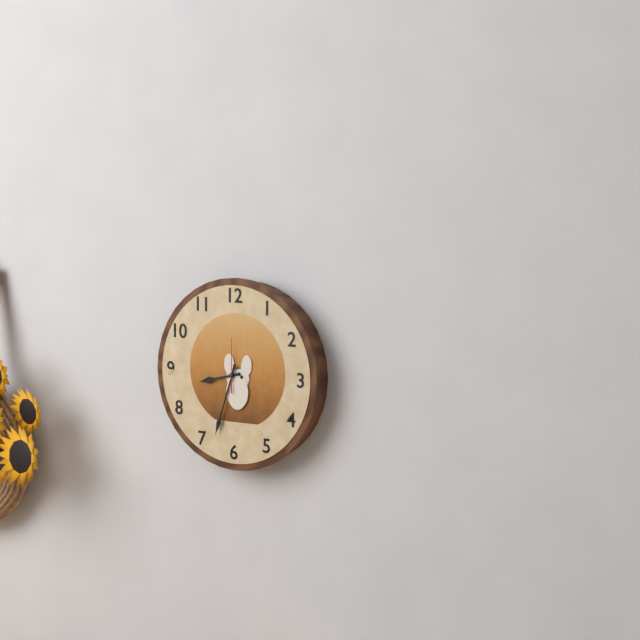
8:33
